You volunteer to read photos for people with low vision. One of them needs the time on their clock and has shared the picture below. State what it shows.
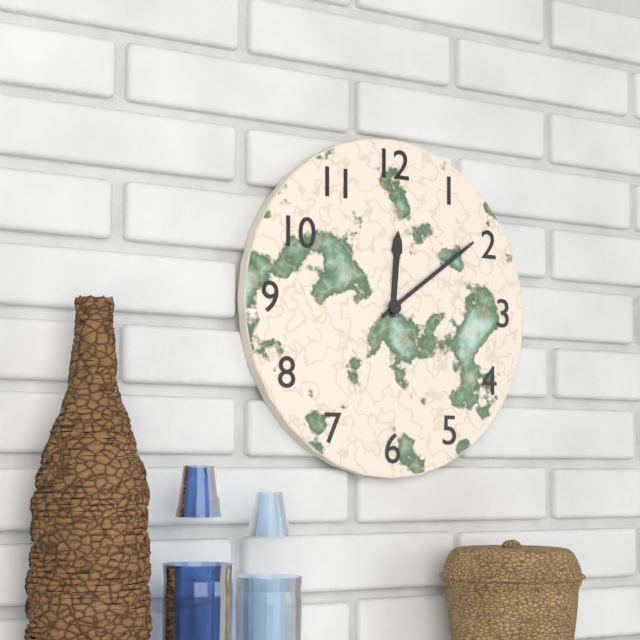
12:09
